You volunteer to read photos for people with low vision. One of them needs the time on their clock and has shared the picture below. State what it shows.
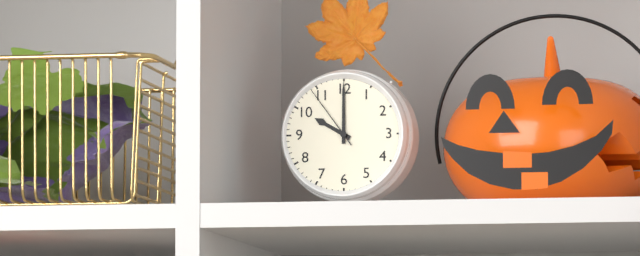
10:00:54
